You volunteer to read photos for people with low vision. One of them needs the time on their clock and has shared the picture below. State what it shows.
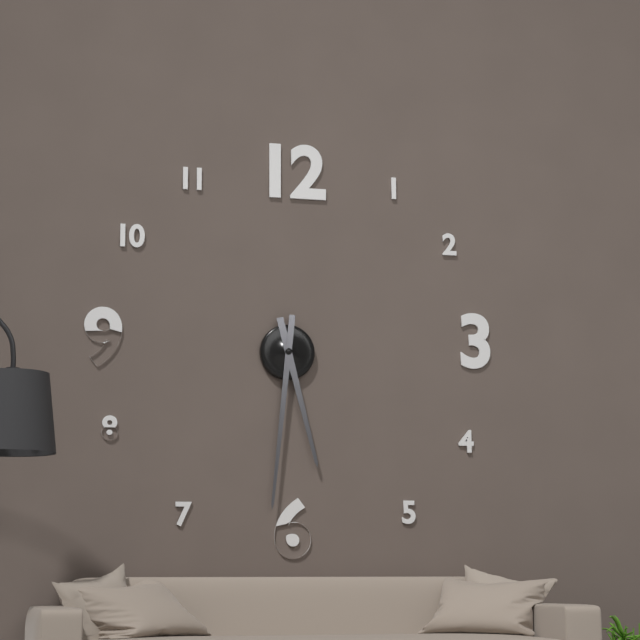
5:31
